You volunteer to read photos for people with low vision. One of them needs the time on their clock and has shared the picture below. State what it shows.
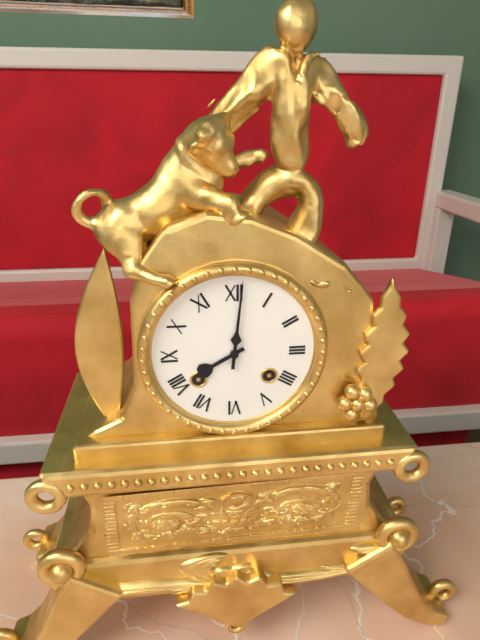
8:01
